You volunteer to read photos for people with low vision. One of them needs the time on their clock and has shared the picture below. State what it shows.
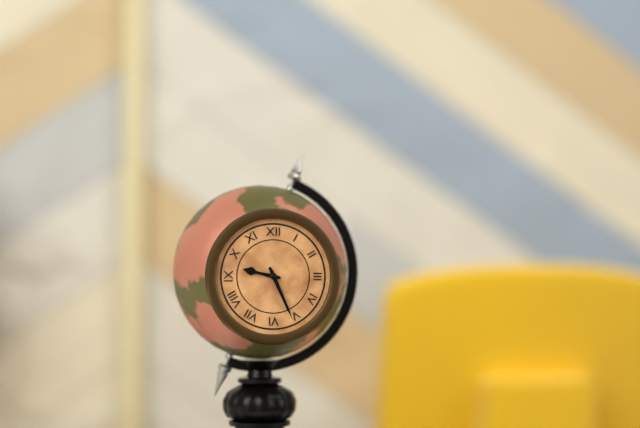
9:26
